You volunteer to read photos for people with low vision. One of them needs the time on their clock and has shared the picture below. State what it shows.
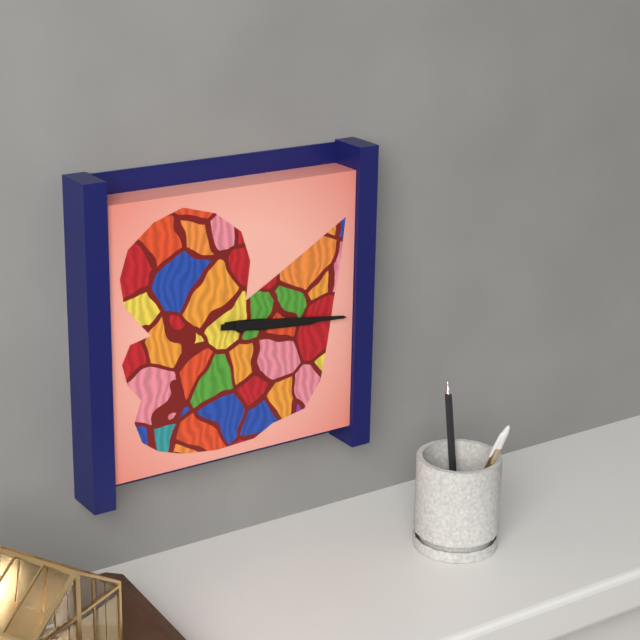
3:16
